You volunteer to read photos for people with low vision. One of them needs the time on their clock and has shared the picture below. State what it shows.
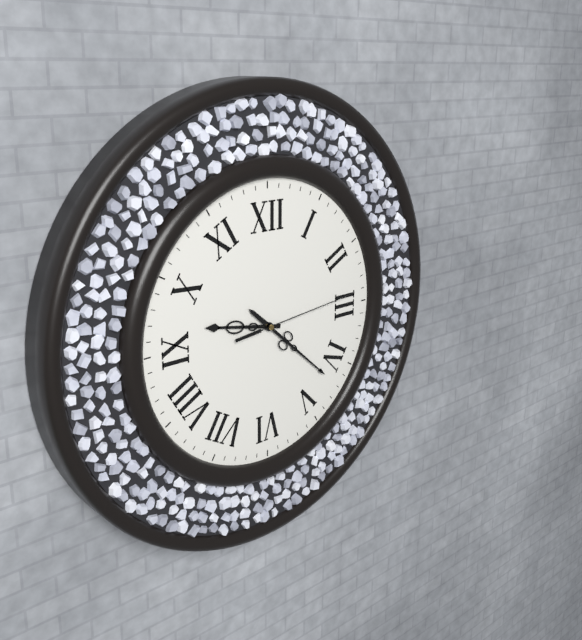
9:22:14
